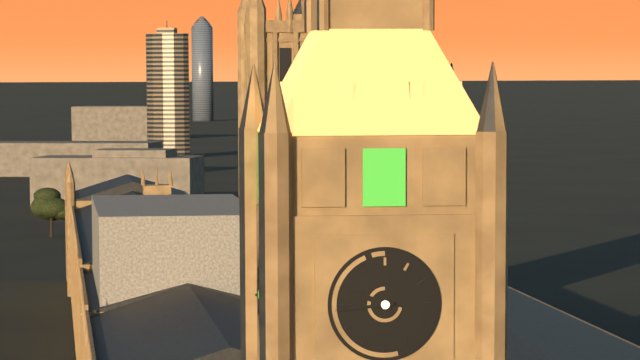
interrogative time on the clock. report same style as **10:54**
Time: **9:44**
